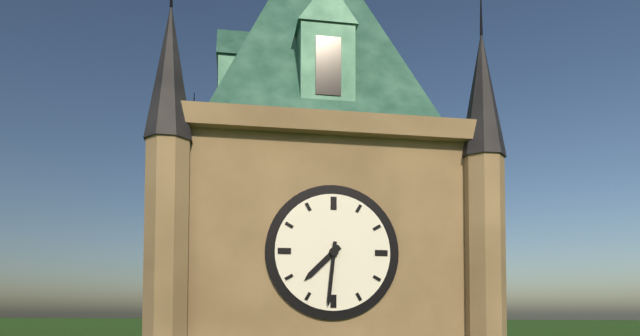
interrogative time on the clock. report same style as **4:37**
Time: **7:31**
